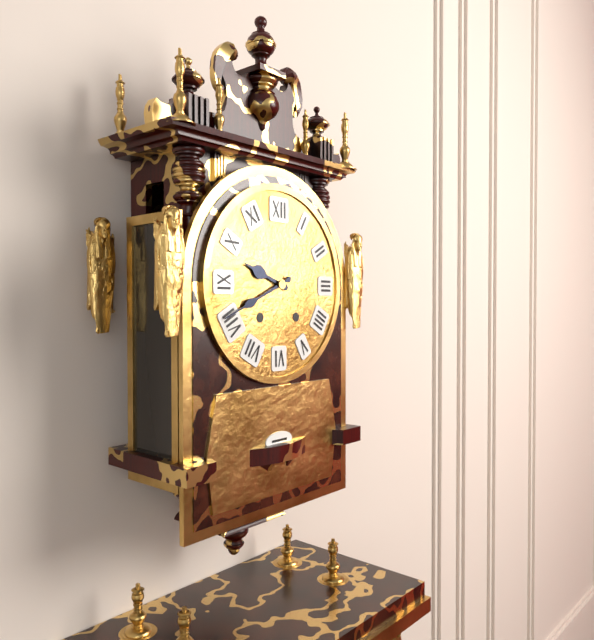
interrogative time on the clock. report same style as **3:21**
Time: **9:41**
